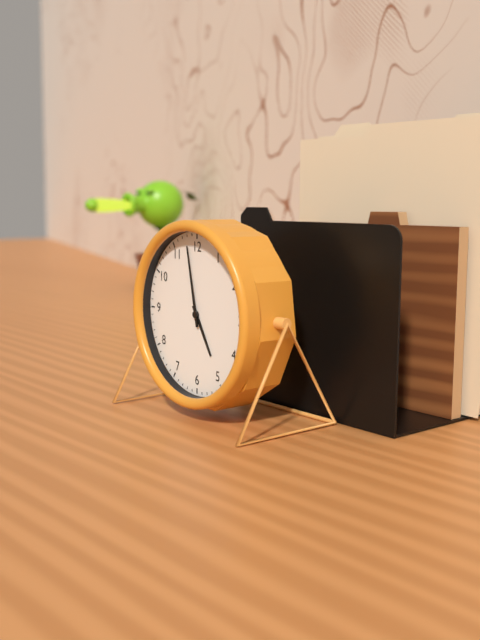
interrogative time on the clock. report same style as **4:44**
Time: **4:58**
